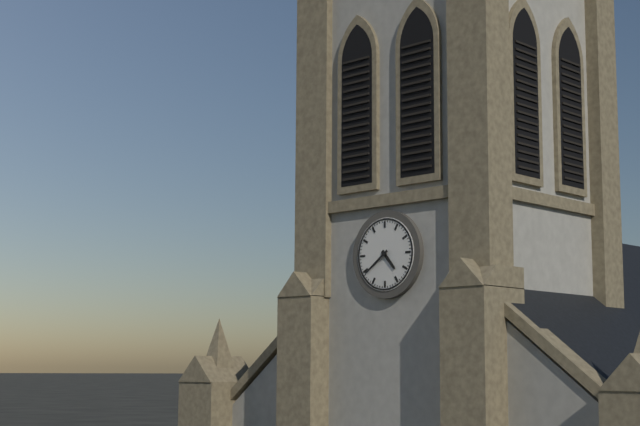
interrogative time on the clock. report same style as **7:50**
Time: **4:39**
